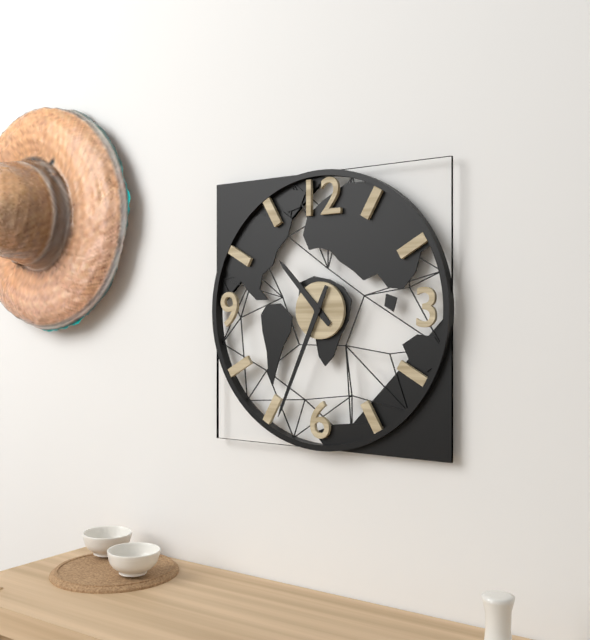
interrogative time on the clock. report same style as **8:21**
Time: **10:34**
